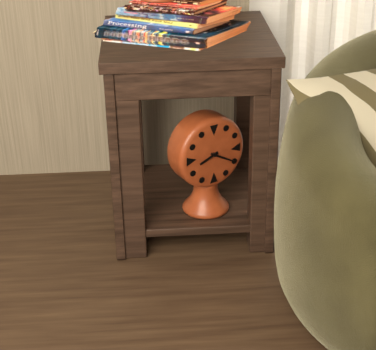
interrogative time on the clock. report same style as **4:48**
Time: **8:20**
